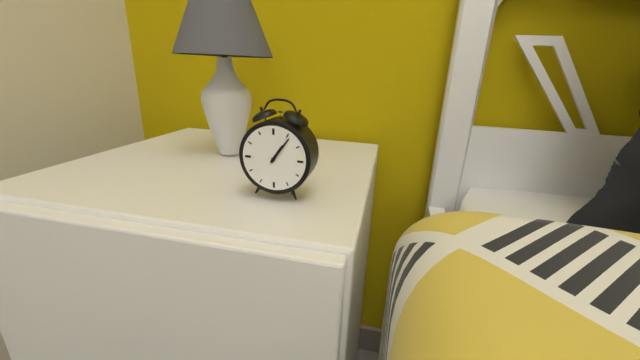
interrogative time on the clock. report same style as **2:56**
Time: **1:06**
